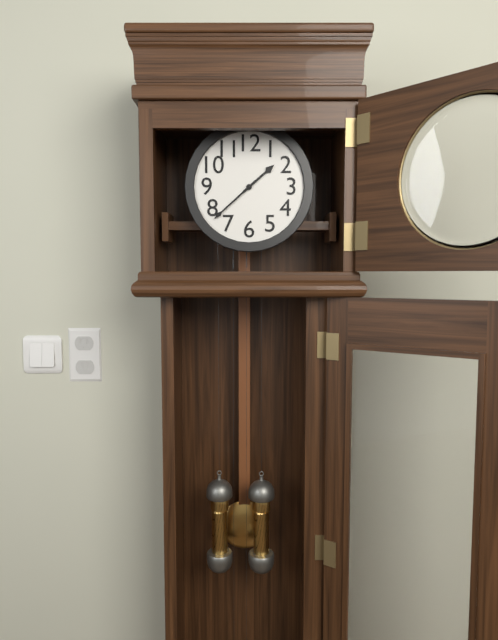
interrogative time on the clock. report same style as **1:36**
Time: **1:38**
